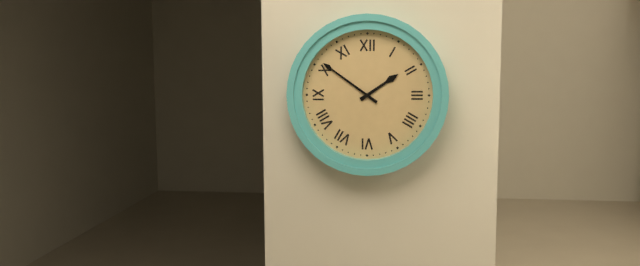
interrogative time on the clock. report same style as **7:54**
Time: **1:51**
